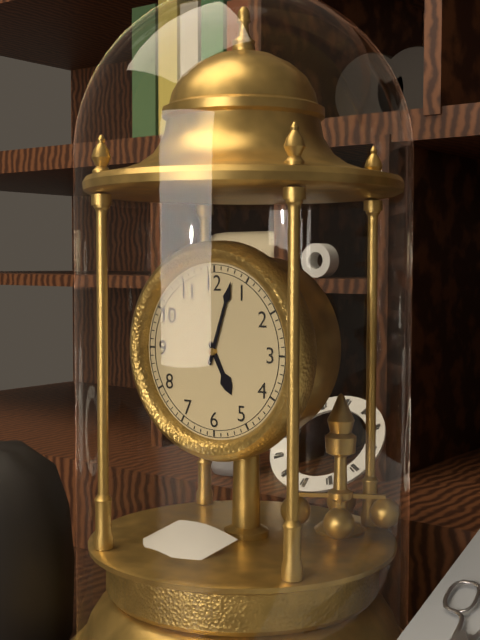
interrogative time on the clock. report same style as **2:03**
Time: **5:03**
